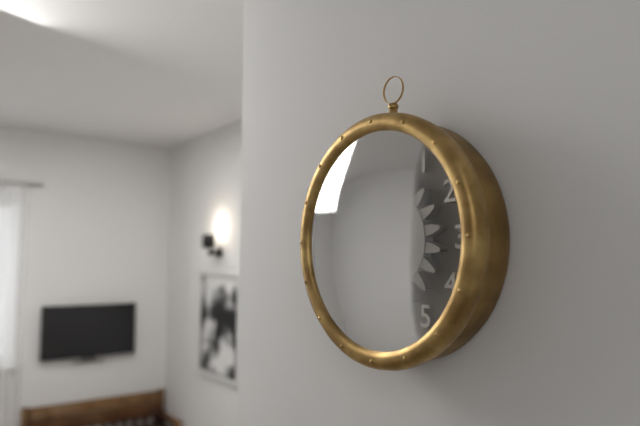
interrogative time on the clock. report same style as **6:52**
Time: **8:54**
